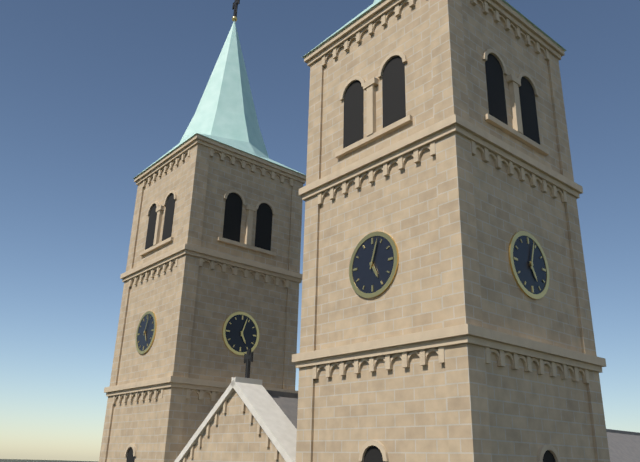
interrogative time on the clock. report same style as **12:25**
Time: **5:03**
